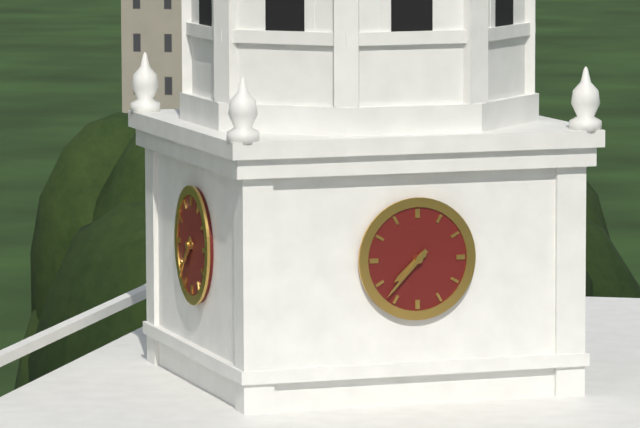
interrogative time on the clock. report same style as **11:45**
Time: **7:37**
